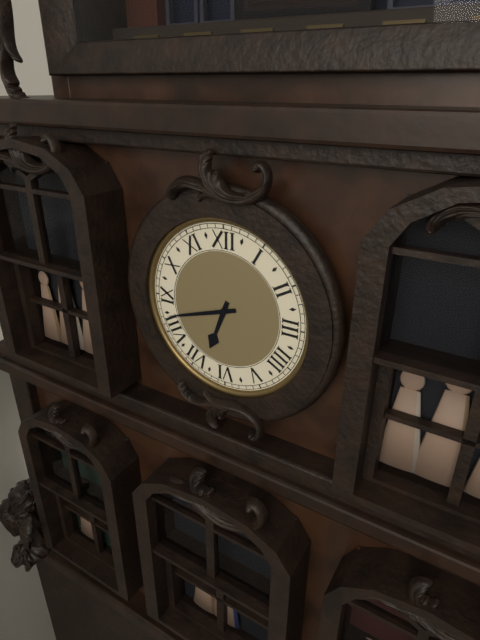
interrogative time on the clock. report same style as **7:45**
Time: **6:42**
